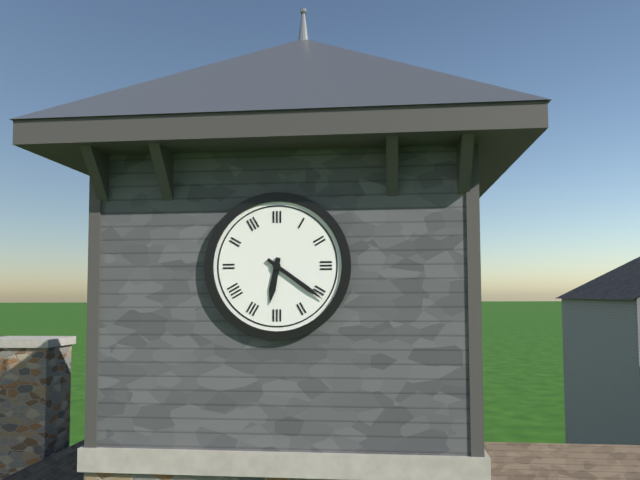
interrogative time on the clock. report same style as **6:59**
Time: **6:21**
